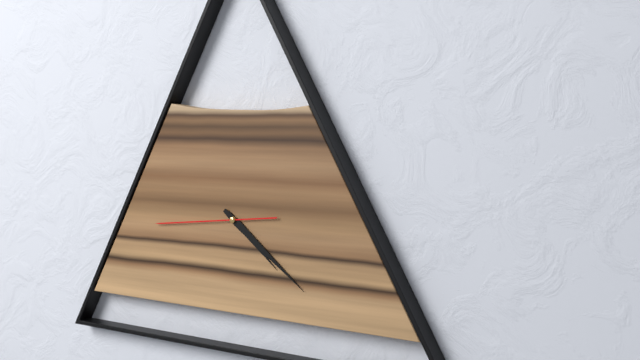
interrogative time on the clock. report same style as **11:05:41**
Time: **4:21:44**
